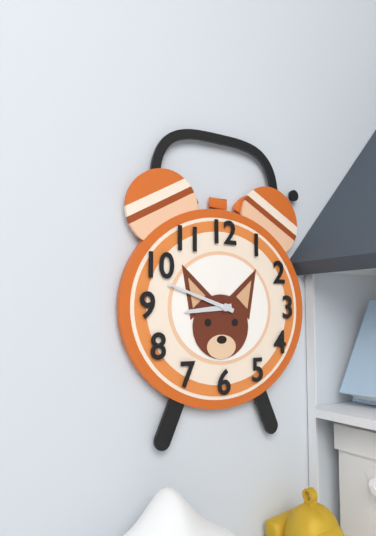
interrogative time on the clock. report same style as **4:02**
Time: **8:48**
